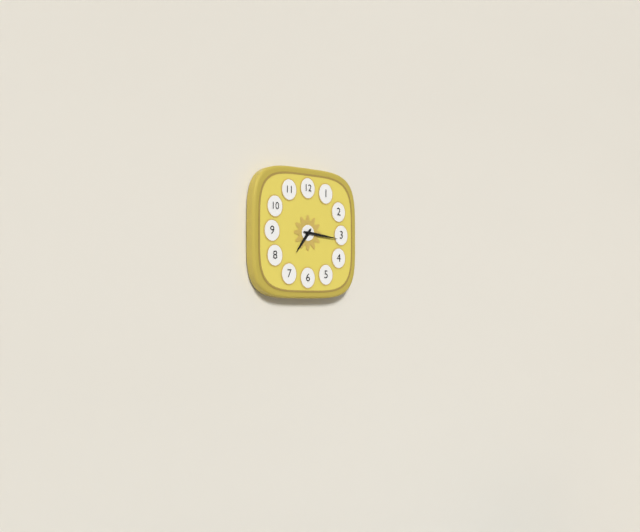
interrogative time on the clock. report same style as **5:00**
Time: **7:16**
